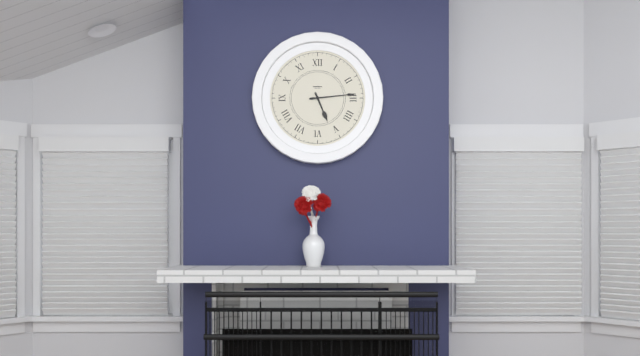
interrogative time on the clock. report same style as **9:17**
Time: **5:14**
